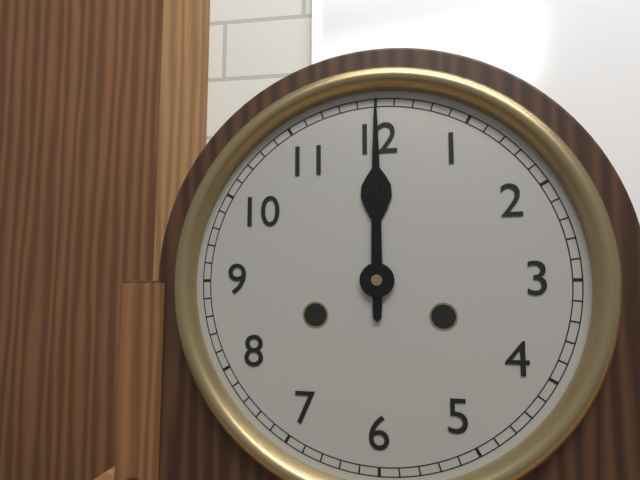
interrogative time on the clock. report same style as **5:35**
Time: **12:00**
